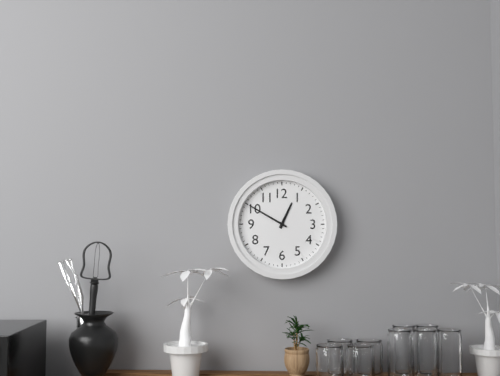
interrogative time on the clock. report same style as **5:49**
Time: **12:50**
